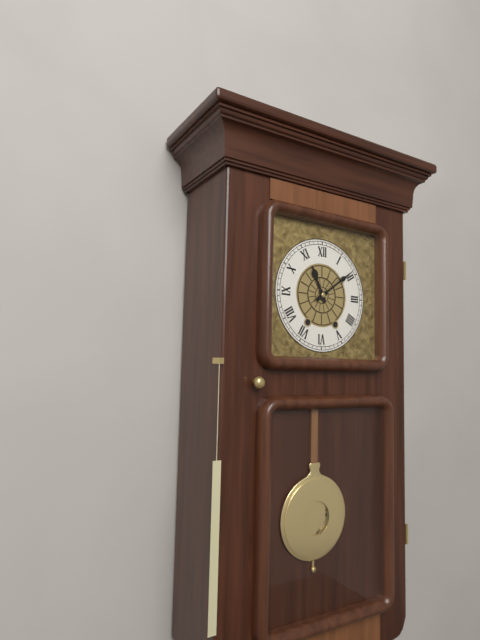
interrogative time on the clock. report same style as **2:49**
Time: **11:09**
